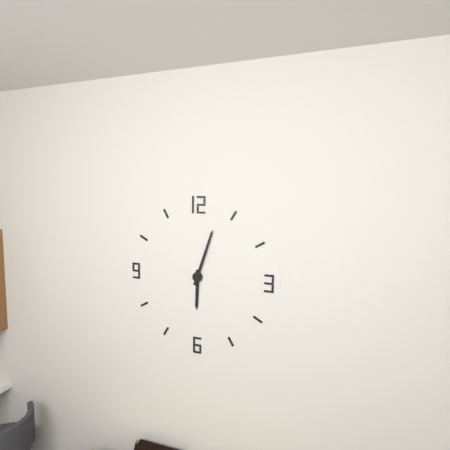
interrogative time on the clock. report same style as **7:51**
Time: **6:03**
